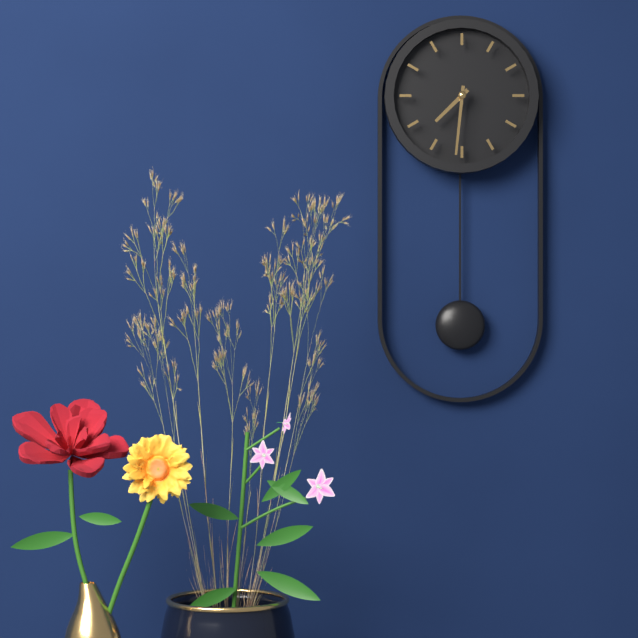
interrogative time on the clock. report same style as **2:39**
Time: **7:31**
